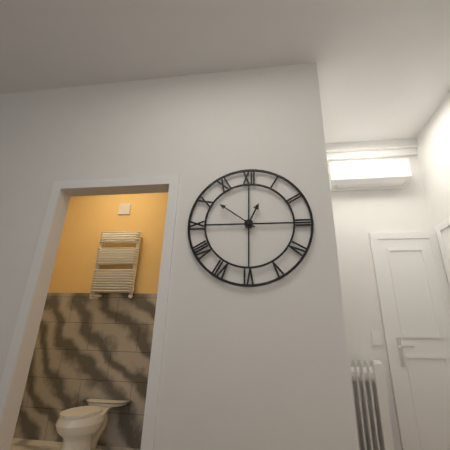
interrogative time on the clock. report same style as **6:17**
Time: **12:51**
